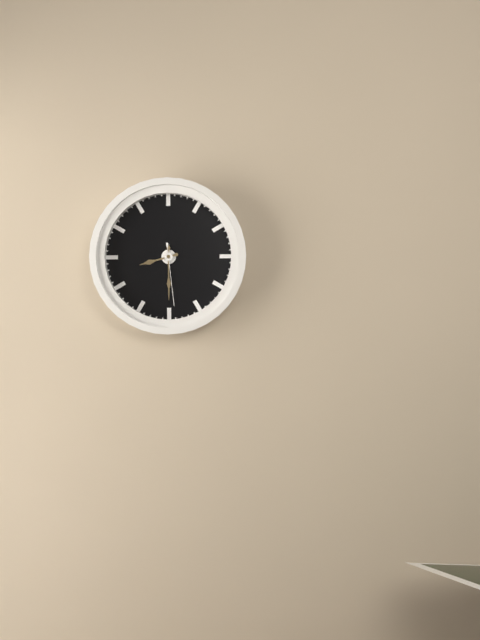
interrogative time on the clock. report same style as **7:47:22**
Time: **8:30:29**
